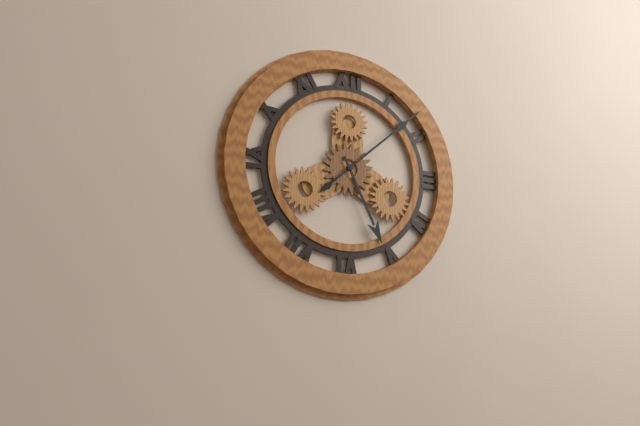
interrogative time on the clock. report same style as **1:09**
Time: **5:08**
